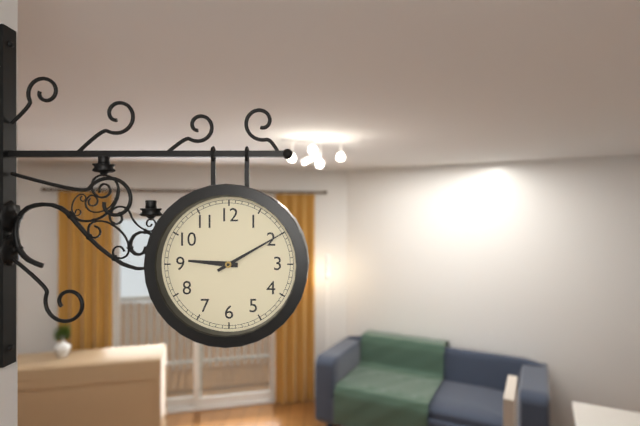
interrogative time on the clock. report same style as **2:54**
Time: **9:10**
